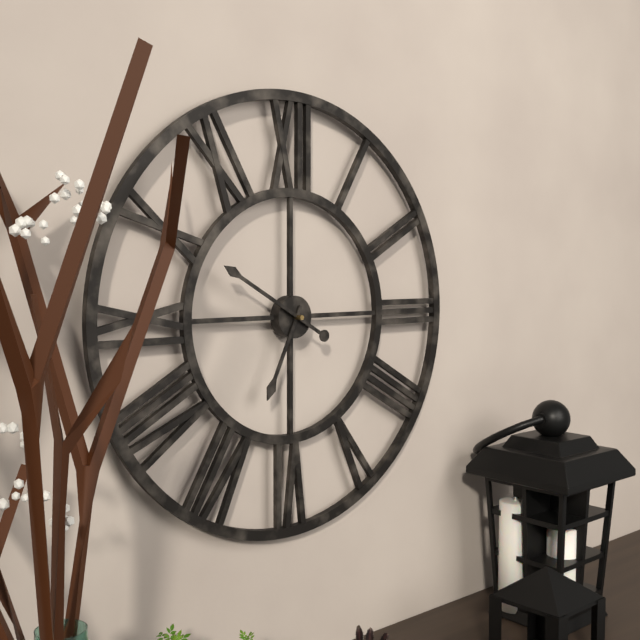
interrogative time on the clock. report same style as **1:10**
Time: **6:50**
